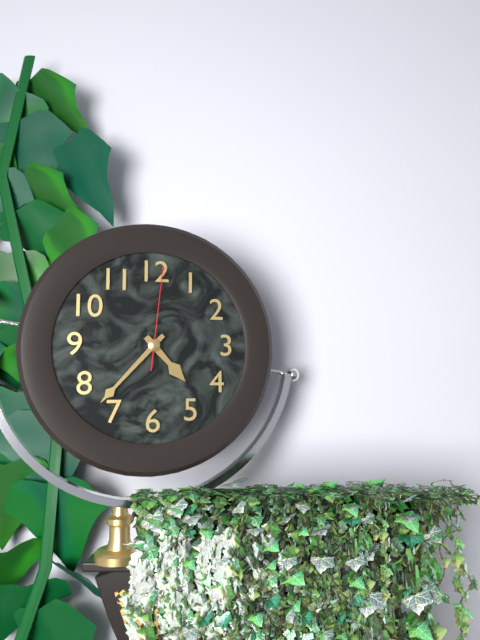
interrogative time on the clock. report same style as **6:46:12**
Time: **4:37:01**
